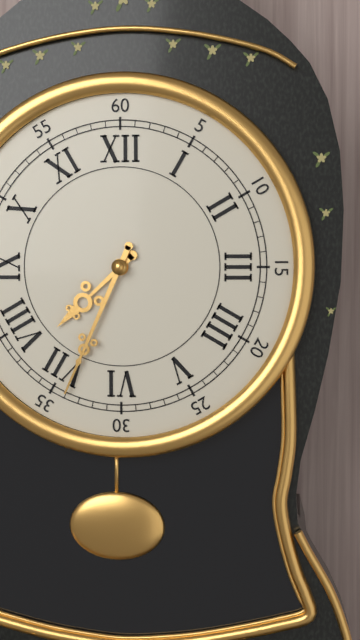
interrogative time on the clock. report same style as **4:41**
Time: **7:34**
